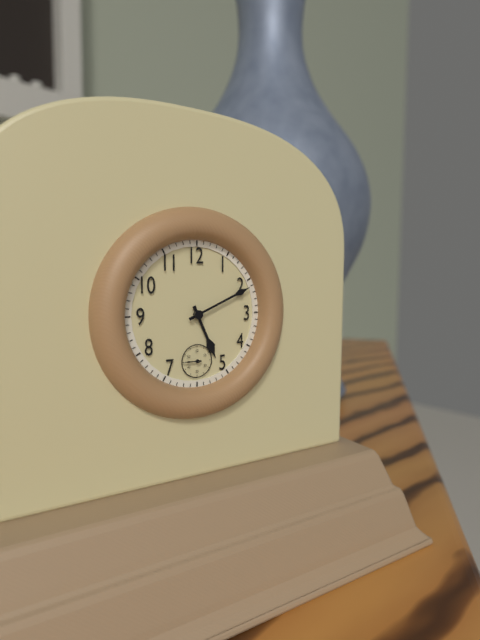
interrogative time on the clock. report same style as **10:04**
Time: **5:11**
